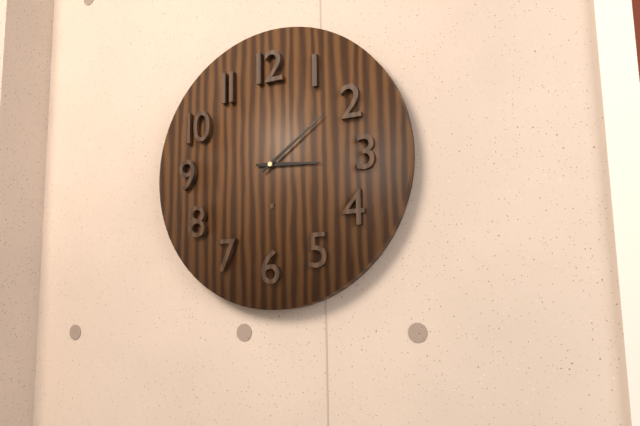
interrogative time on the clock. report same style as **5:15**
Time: **3:09**
